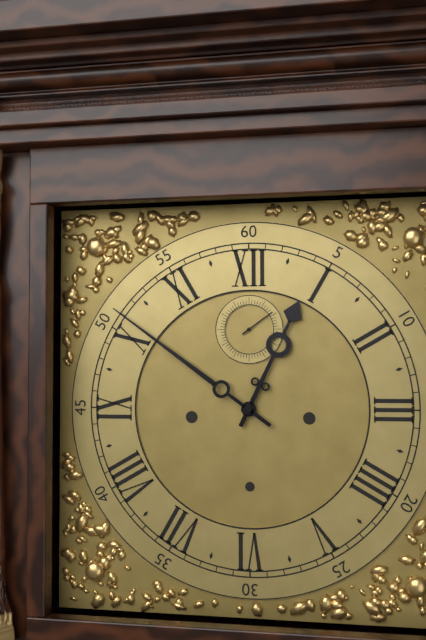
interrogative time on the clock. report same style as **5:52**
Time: **12:51**
